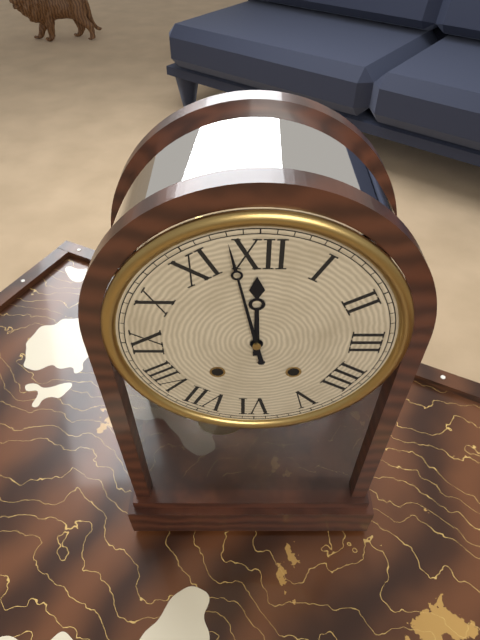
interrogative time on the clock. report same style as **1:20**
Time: **11:58**
